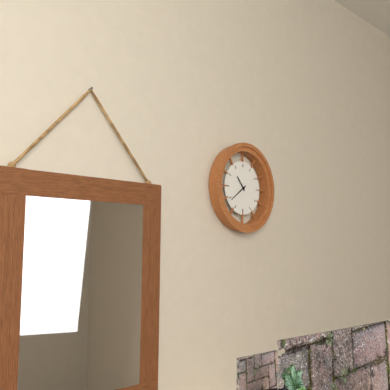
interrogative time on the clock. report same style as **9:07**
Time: **10:39**
